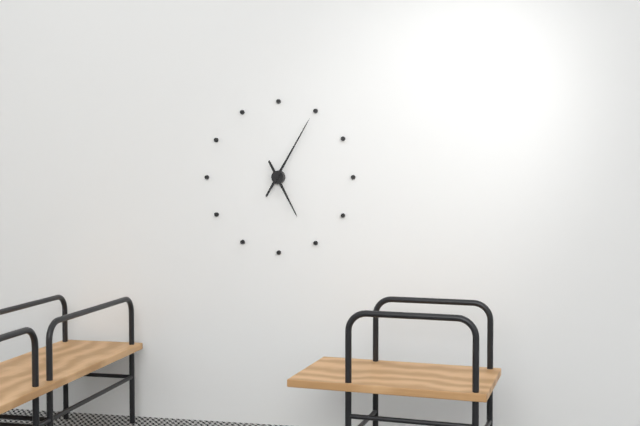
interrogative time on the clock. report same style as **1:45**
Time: **5:05**
